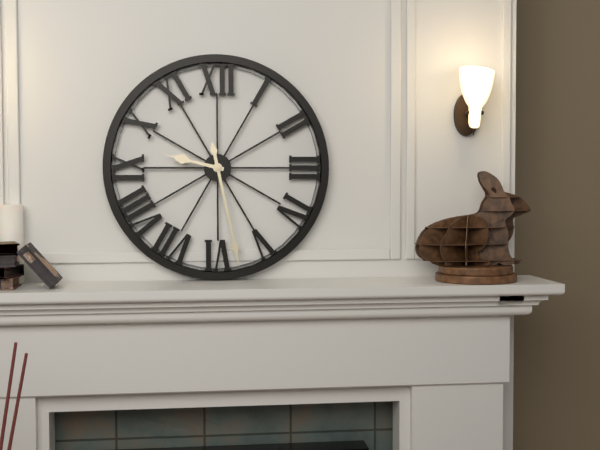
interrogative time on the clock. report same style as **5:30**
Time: **9:28**
